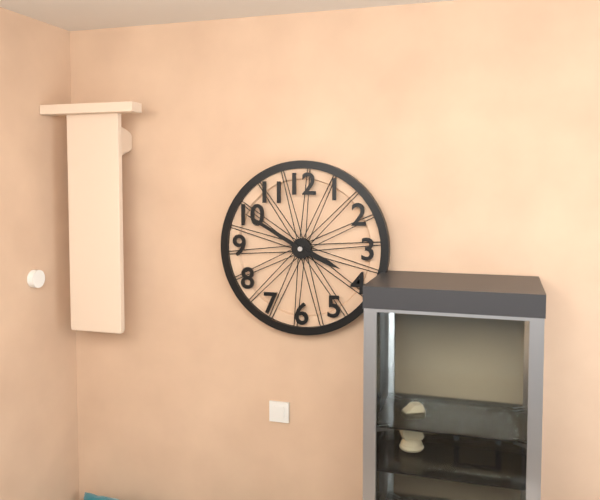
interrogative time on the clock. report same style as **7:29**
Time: **3:50**
